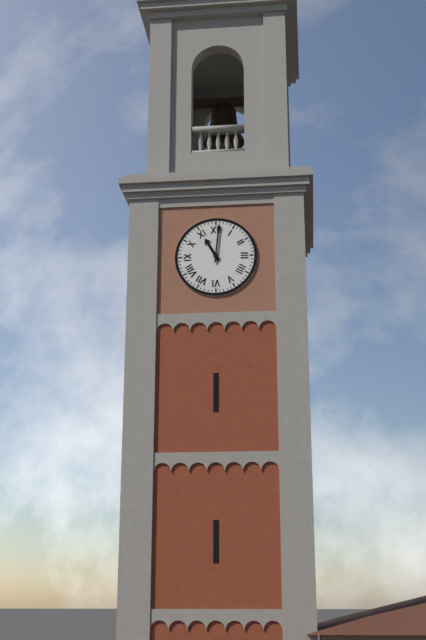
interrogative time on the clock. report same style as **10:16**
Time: **11:01**
